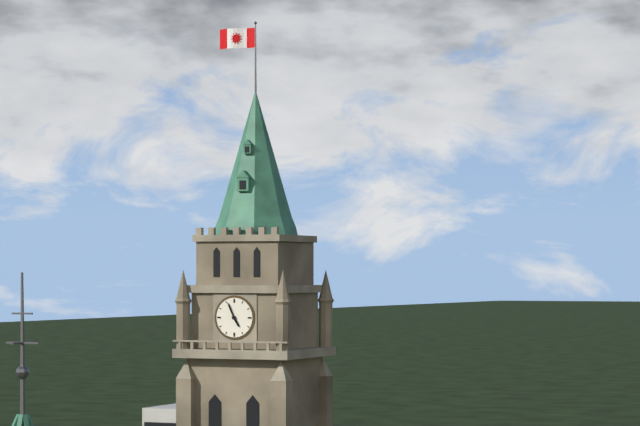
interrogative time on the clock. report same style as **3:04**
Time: **4:56**
